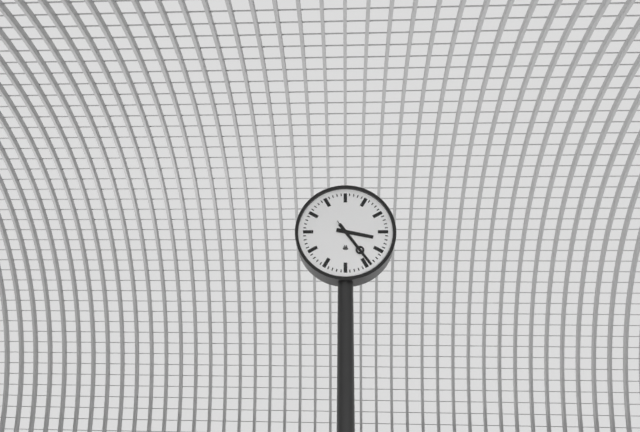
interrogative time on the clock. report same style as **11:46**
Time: **3:24**
